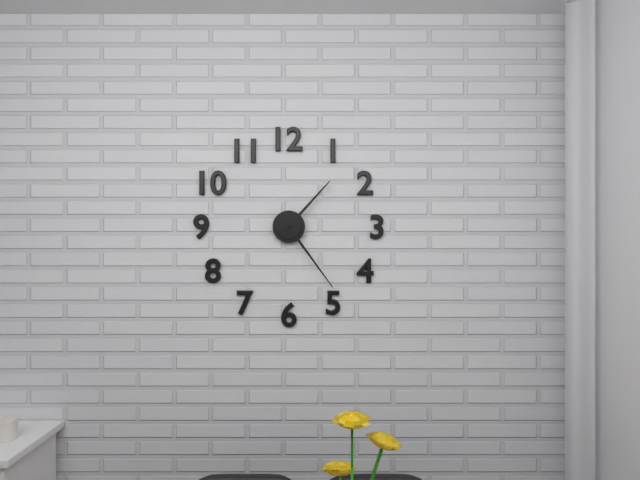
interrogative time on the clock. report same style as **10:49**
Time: **1:24**
